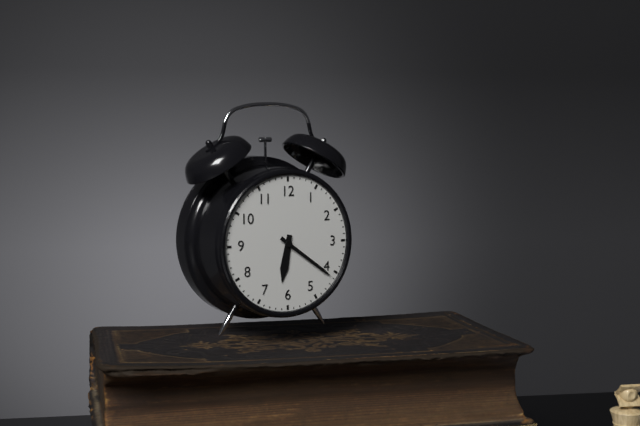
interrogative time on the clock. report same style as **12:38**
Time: **6:21**
